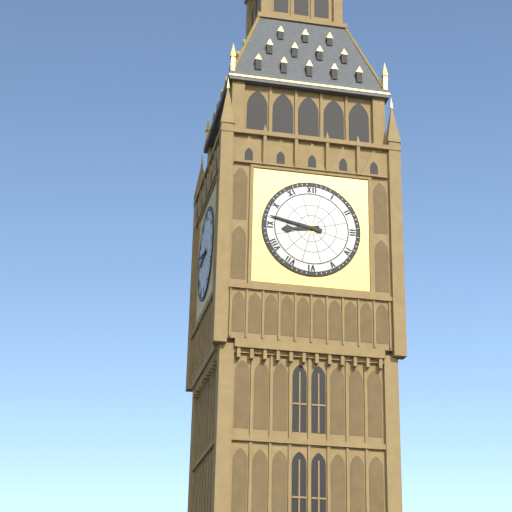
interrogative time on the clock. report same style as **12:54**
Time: **8:47**
